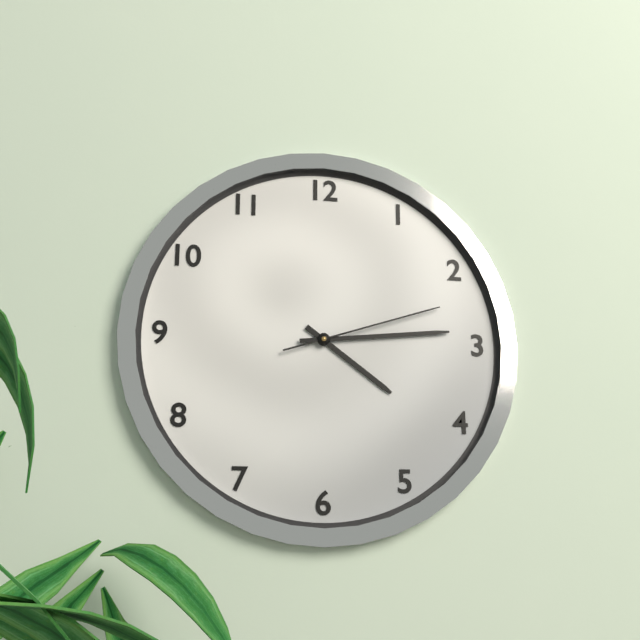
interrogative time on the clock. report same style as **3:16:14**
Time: **4:14:12**
